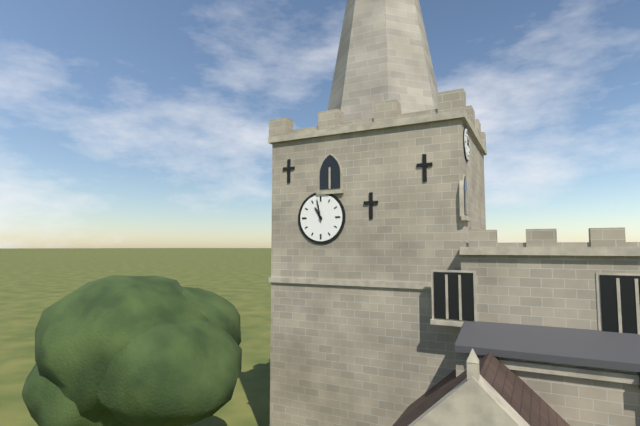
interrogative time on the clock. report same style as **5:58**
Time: **10:58**
